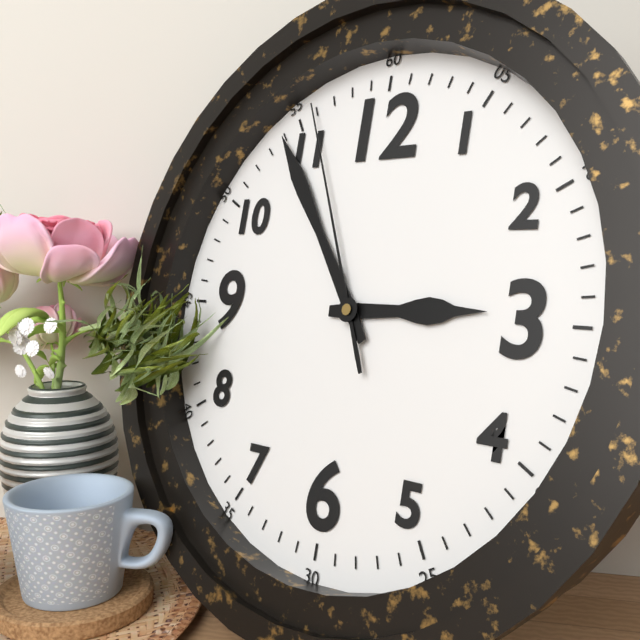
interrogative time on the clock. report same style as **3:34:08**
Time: **2:54:56**
